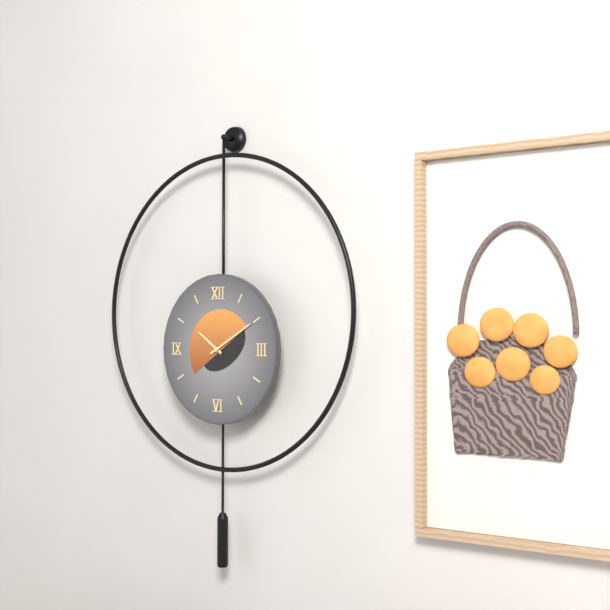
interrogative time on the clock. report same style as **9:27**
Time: **10:10**
